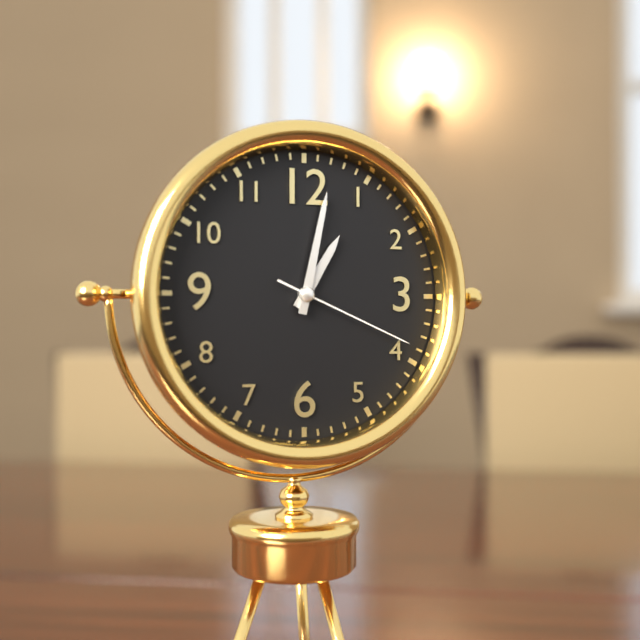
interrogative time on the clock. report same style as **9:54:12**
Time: **1:02:19**
